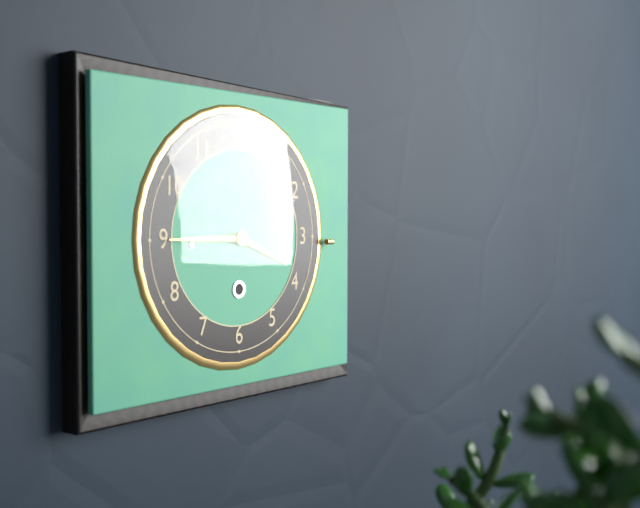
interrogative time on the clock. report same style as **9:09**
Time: **3:45**
